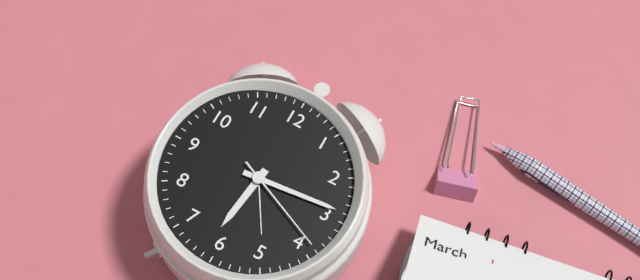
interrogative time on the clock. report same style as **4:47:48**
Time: **6:14:19**
